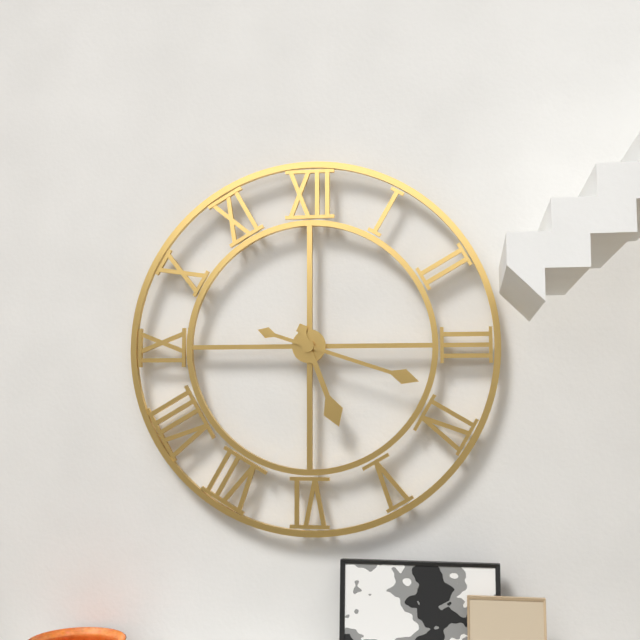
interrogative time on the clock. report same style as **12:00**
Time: **5:18**
